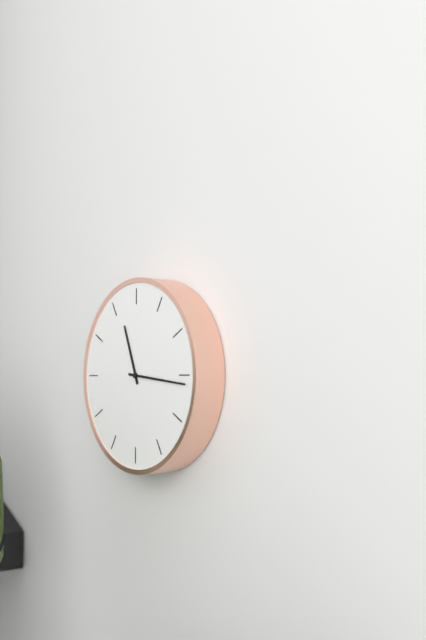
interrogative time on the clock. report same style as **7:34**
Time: **11:16**
